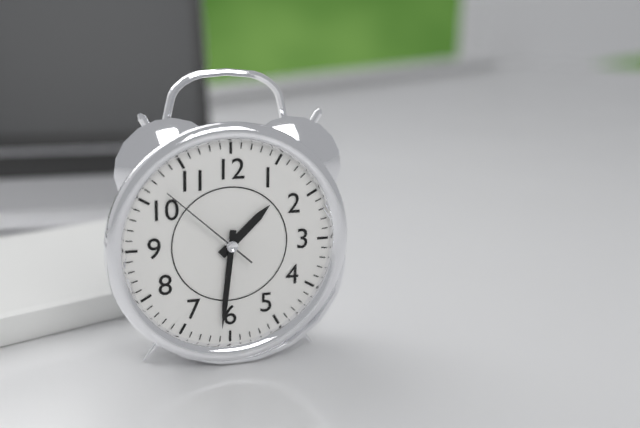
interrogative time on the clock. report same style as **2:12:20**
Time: **1:31:52**
